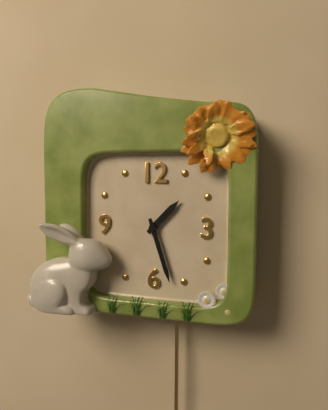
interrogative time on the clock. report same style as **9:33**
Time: **1:27**
